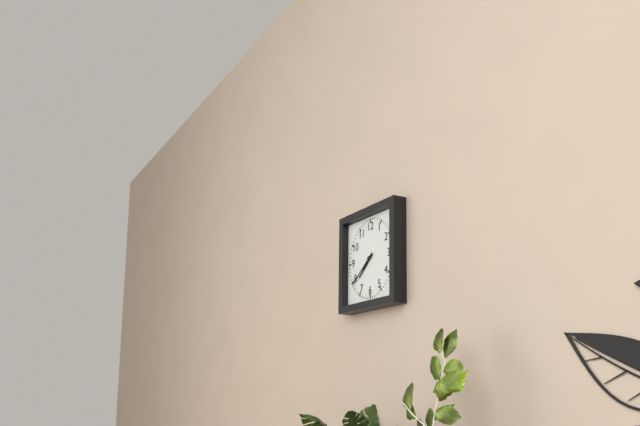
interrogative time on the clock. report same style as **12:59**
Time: **7:39**
